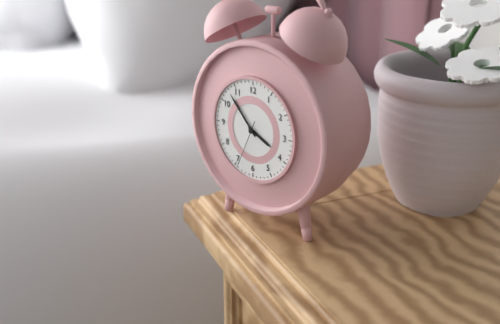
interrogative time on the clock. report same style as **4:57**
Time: **3:53**
